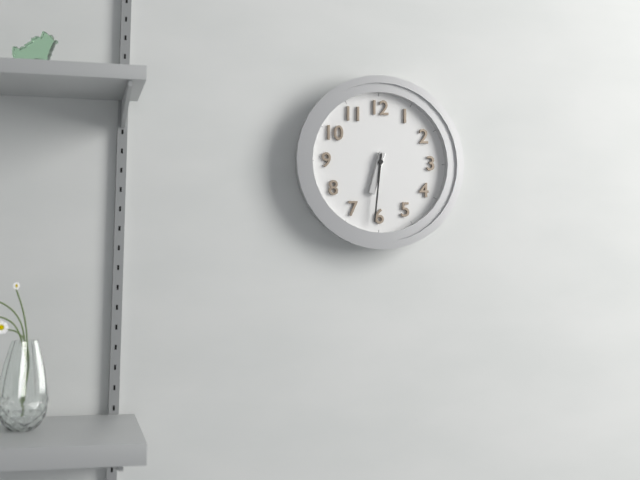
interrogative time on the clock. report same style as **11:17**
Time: **6:31**
